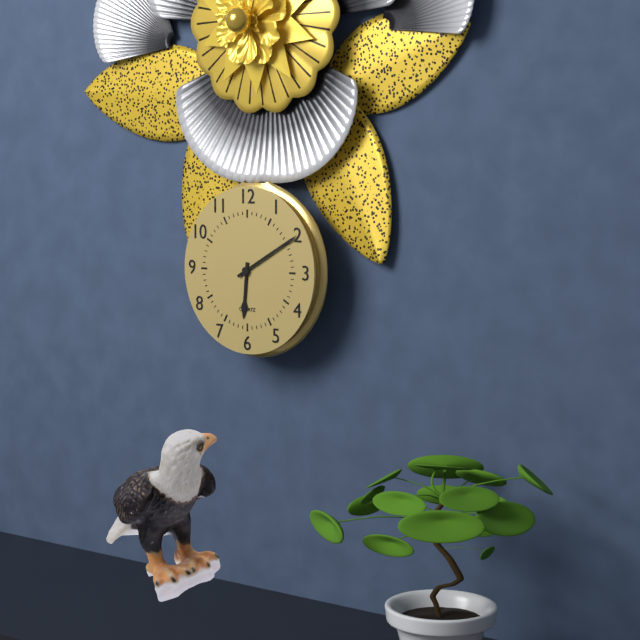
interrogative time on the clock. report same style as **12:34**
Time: **6:10**
